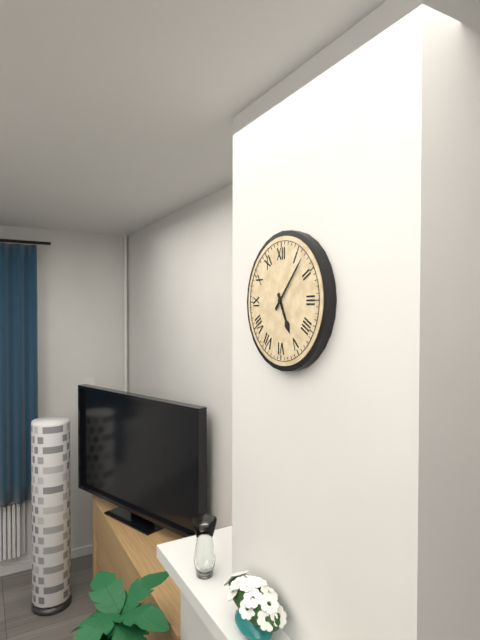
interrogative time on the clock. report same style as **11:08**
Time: **5:07**
